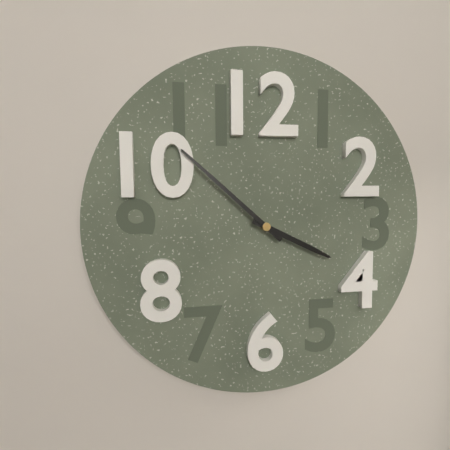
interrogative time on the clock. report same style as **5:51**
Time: **3:52**
